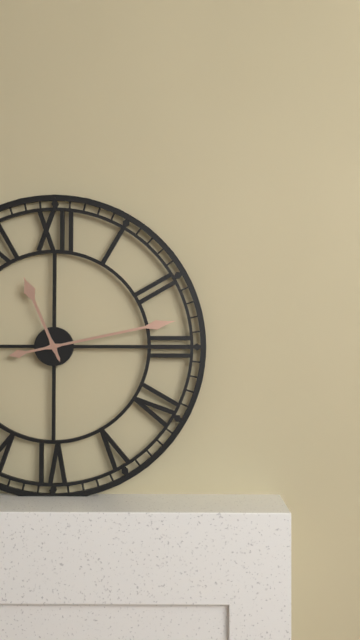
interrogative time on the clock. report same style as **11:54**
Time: **11:13**
